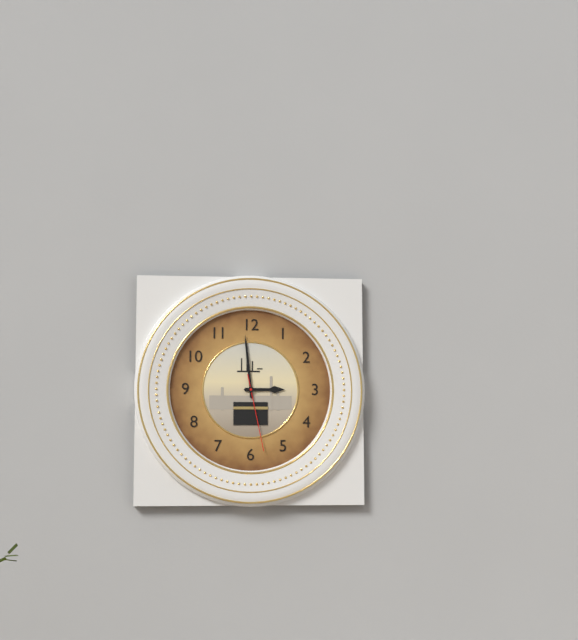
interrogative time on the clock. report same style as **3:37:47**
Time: **2:59:28**
